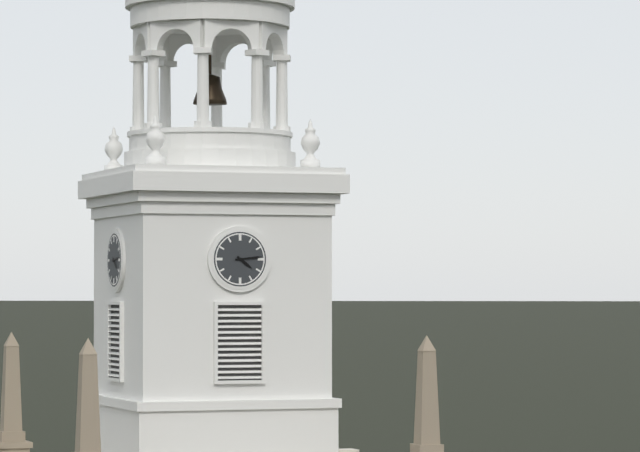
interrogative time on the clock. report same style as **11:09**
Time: **4:14**
